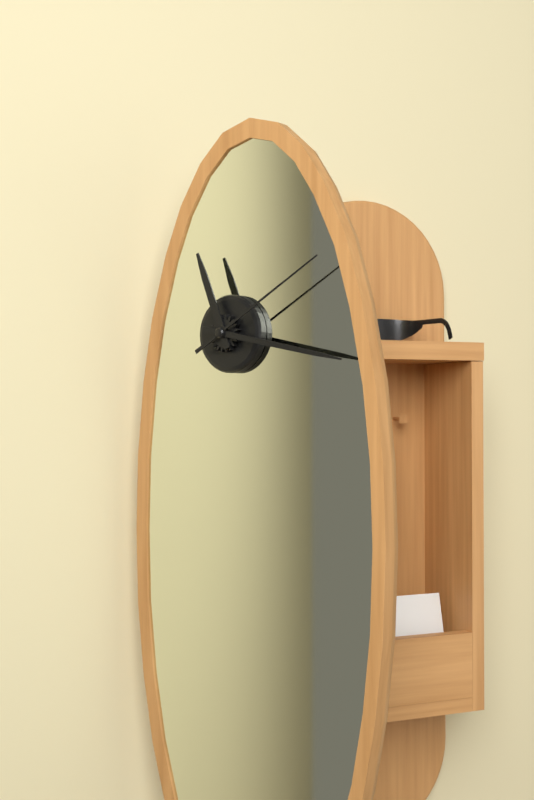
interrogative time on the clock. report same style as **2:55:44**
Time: **11:17:10**
